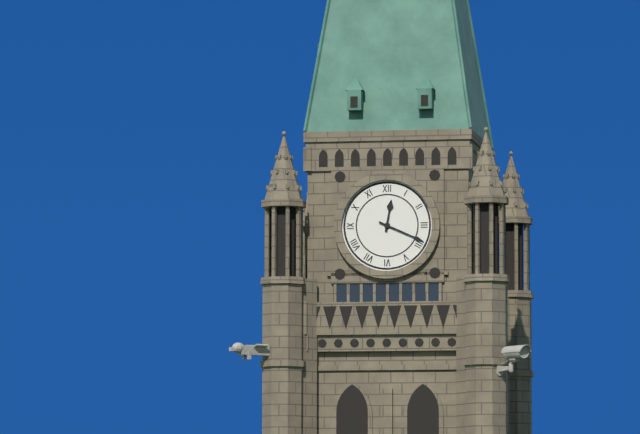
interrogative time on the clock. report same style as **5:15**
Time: **12:19**
